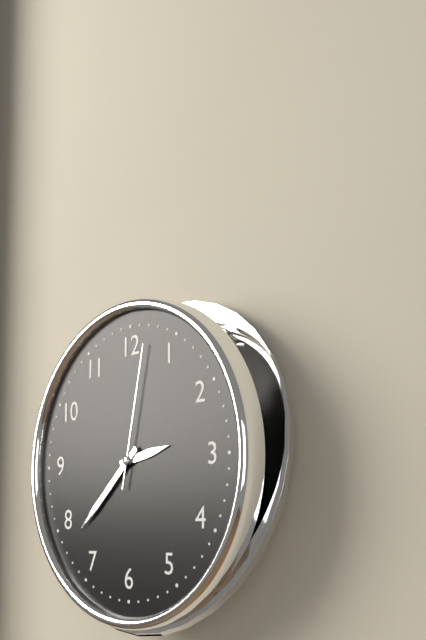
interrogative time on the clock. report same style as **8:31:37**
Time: **2:38:02**
